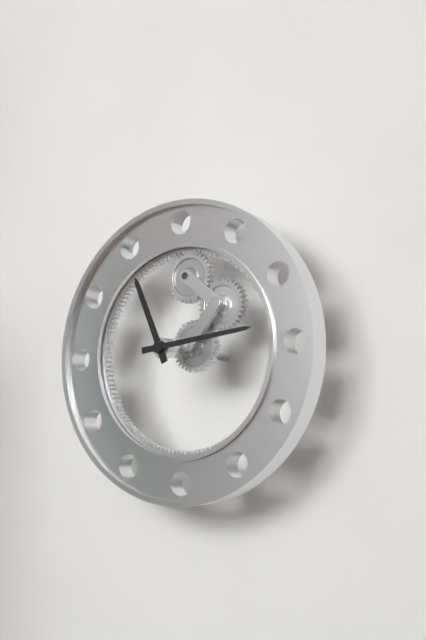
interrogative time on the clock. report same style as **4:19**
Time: **11:14**
